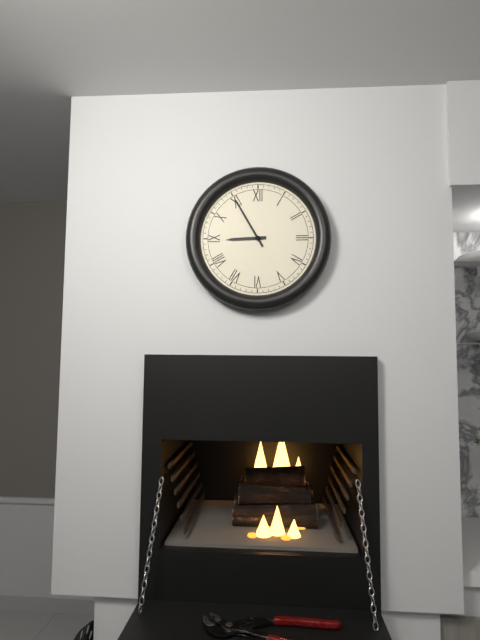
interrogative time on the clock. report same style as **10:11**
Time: **8:55**
